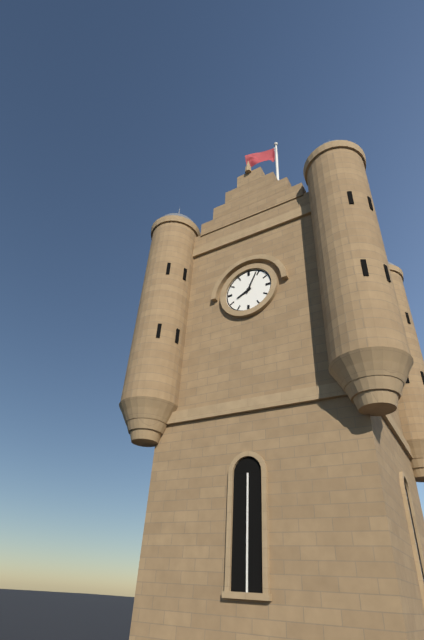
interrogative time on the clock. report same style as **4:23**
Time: **8:04**
